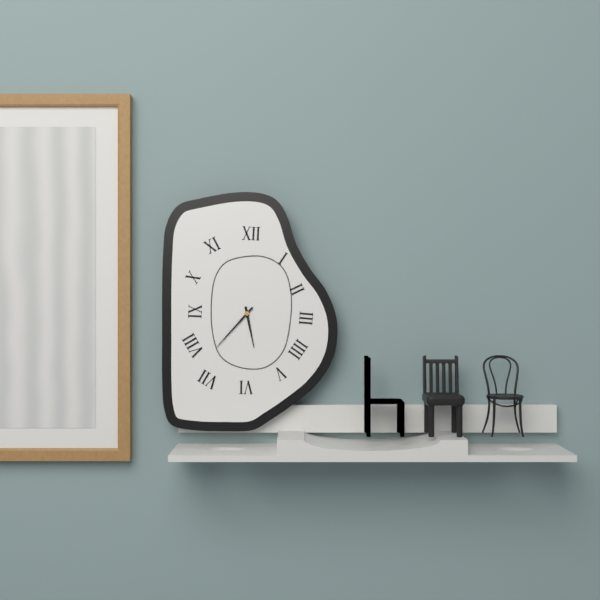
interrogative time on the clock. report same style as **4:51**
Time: **5:37**
